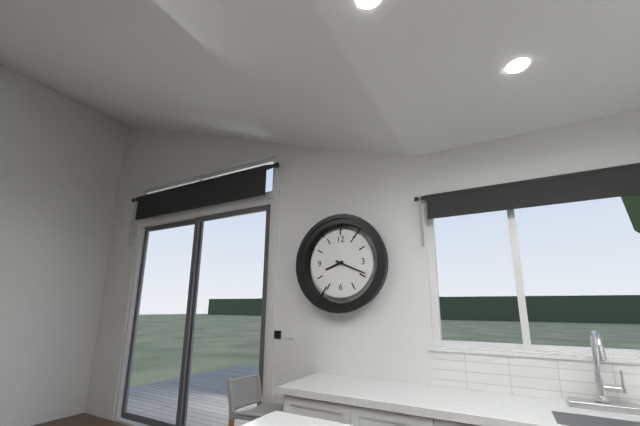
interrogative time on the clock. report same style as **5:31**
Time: **8:19**
